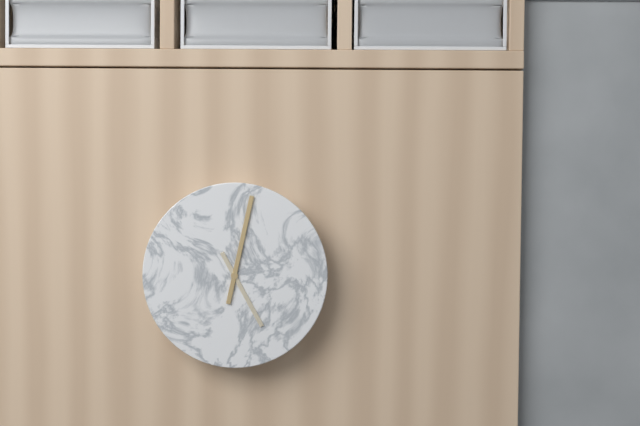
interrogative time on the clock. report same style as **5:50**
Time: **5:02**
